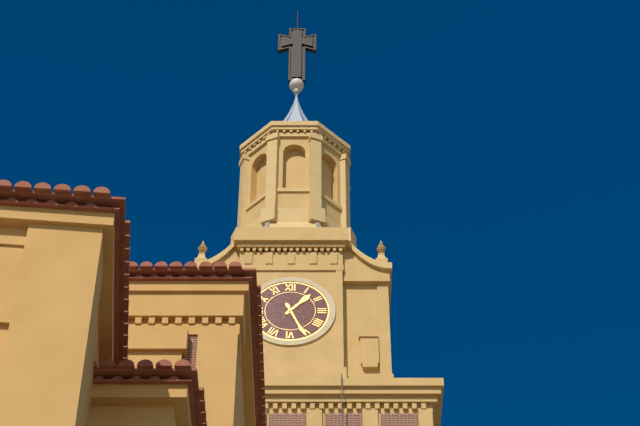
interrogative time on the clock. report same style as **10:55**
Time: **1:26**
